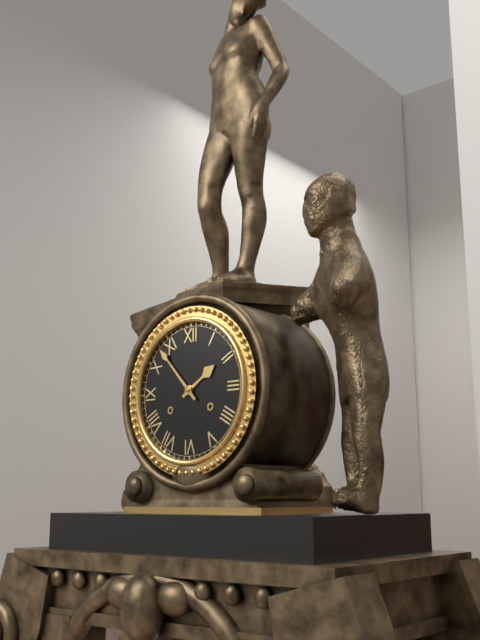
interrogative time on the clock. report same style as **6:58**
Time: **1:53**
